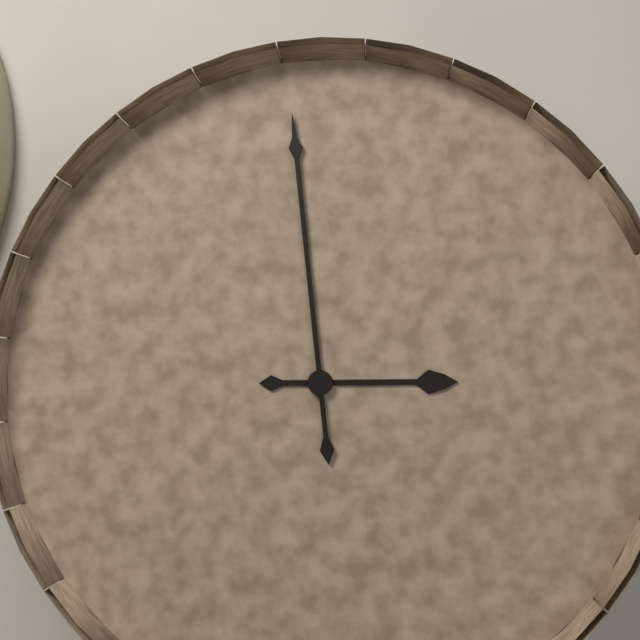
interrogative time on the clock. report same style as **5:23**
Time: **2:59**
